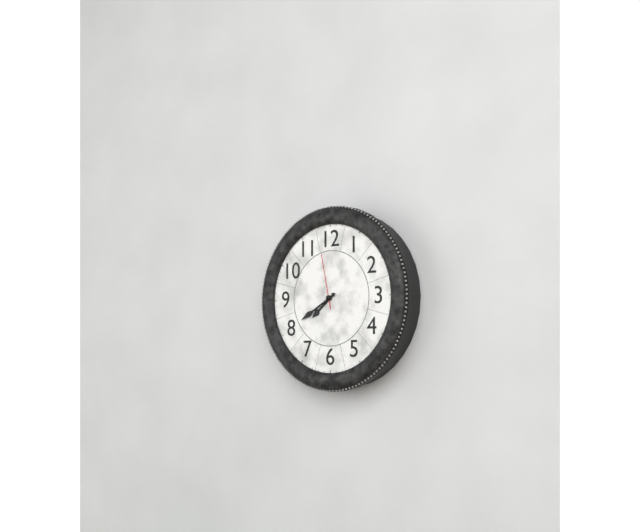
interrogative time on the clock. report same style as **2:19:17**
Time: **7:40:58**
